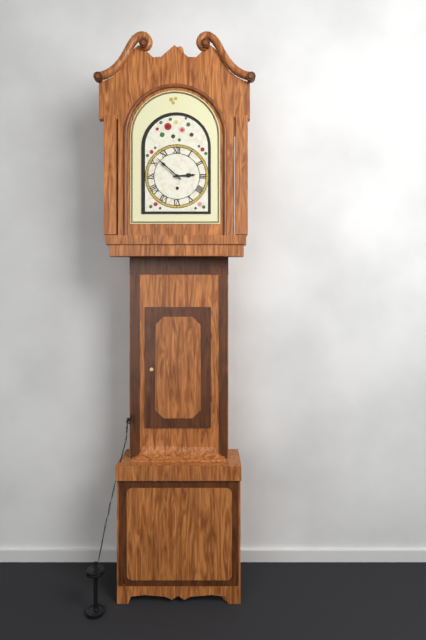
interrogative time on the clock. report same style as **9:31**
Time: **2:52**
